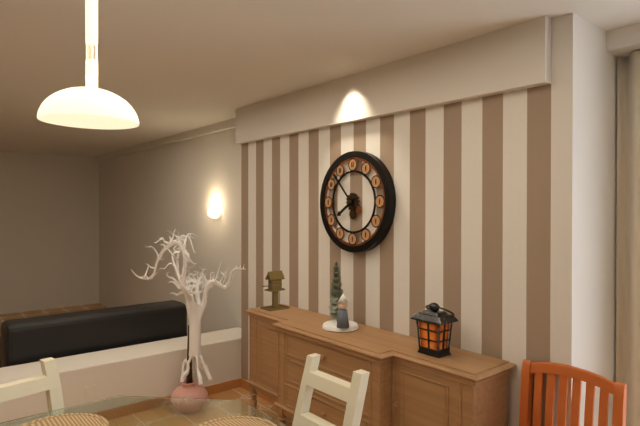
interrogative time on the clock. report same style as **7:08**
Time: **7:53**
